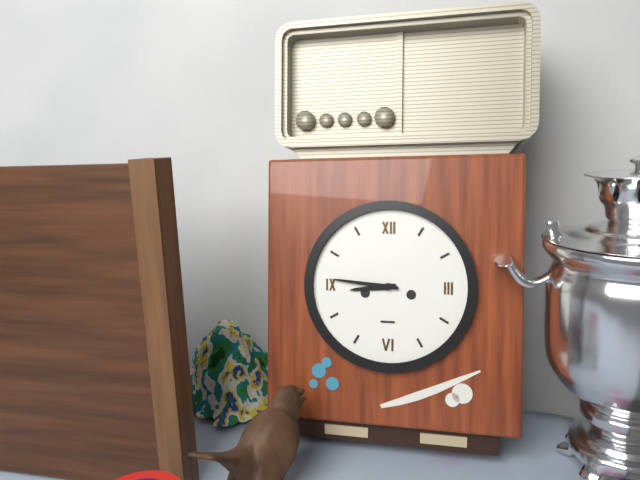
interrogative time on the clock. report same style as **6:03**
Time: **8:46**
